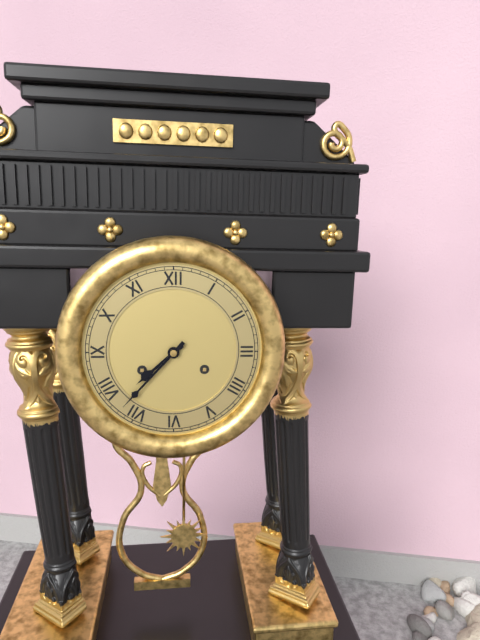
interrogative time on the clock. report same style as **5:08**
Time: **7:37**
